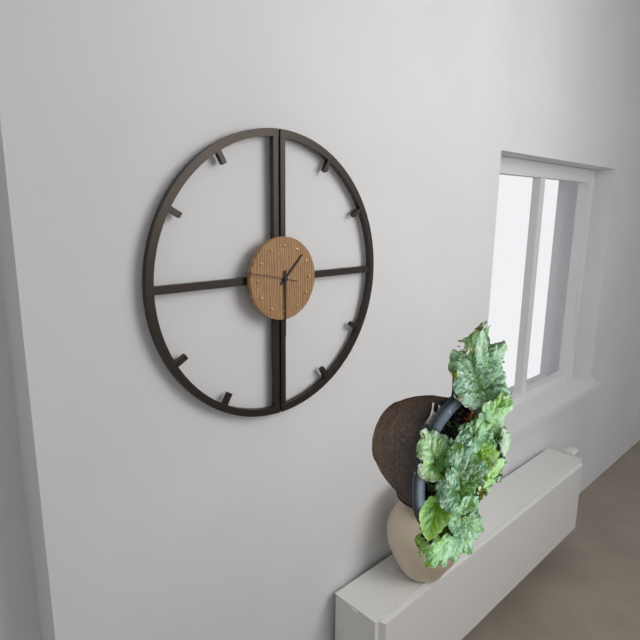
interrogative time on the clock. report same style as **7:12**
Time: **1:30**
